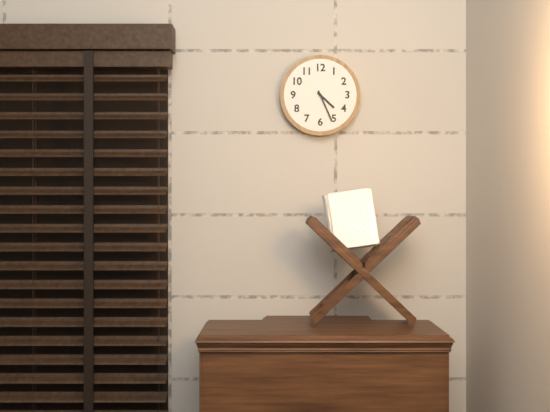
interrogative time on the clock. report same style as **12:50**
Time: **4:26**
